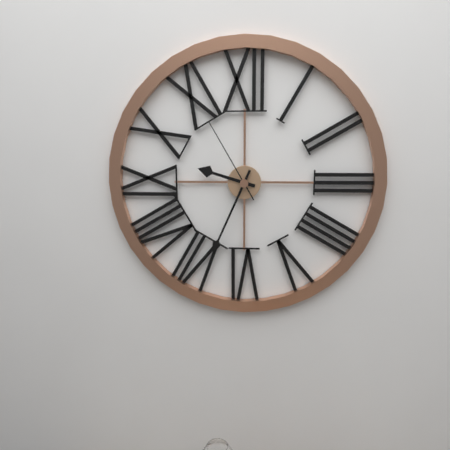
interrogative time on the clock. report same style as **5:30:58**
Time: **9:34:55**
